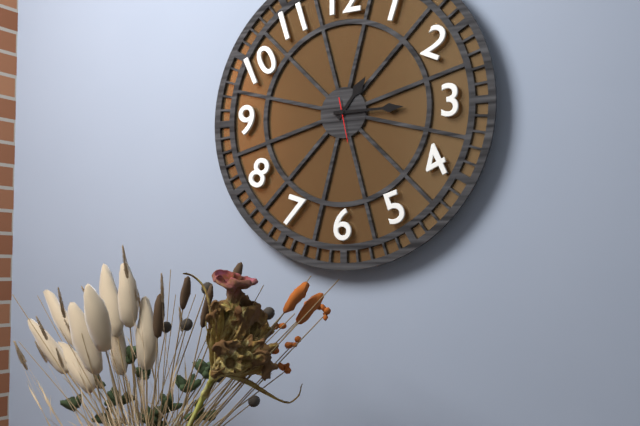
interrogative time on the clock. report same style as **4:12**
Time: **1:15**
